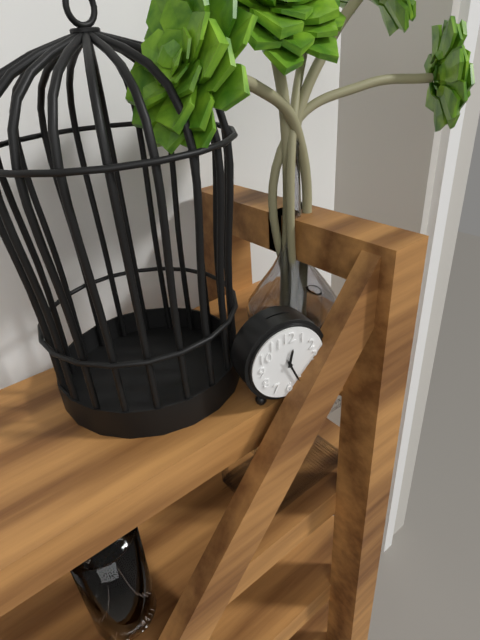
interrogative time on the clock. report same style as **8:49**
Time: **12:26**
